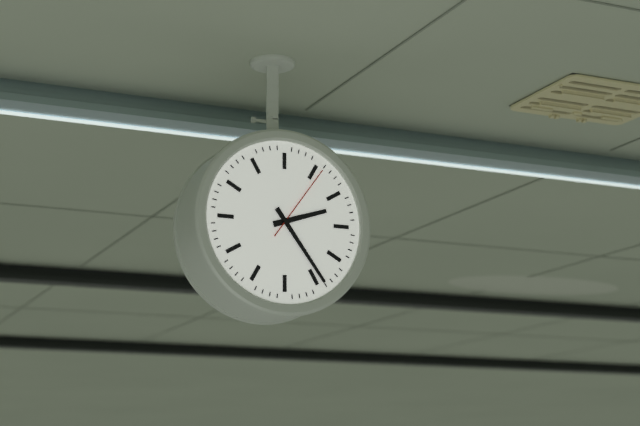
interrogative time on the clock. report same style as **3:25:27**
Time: **2:24:06**
